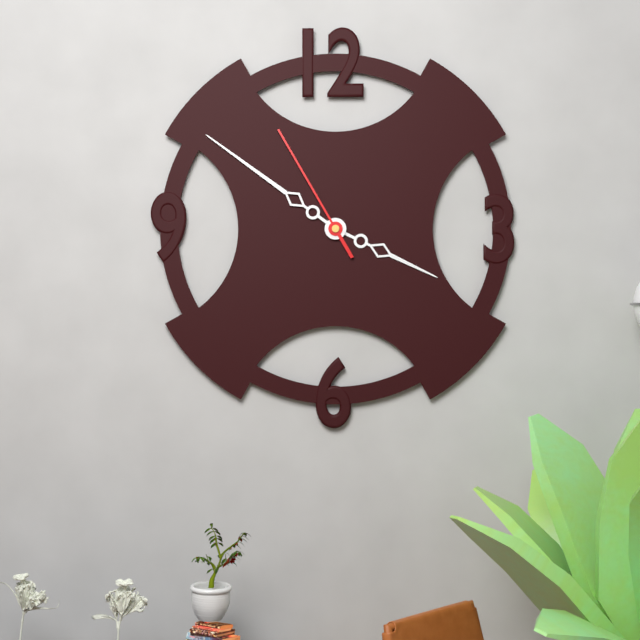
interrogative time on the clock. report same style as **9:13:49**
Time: **3:51:55**
